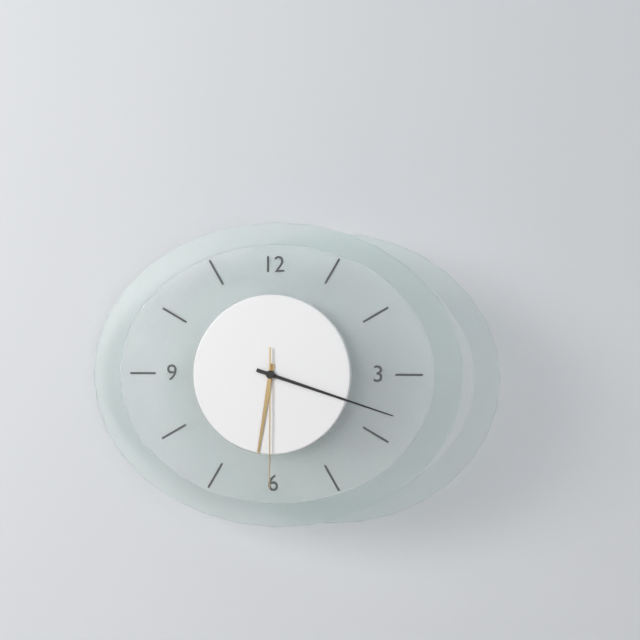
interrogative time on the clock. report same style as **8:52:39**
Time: **6:18:30**
